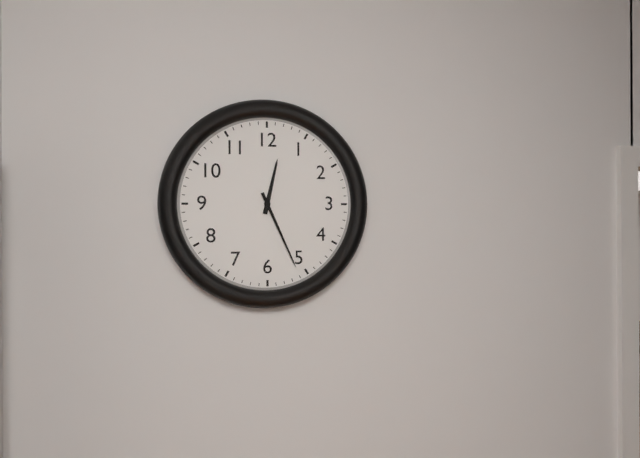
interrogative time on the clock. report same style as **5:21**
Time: **12:26**
